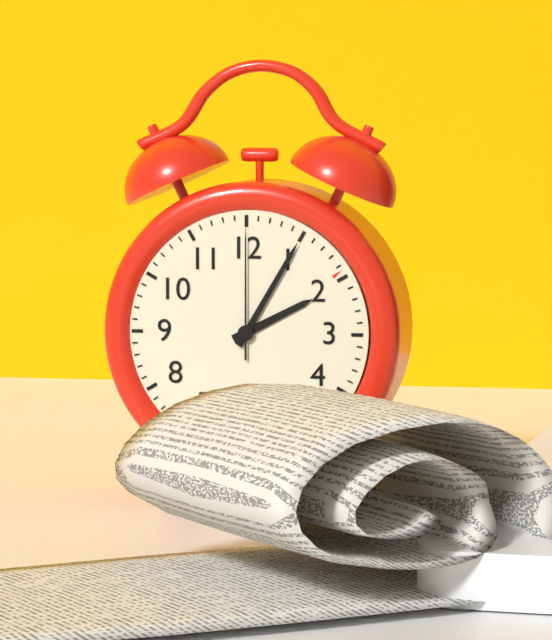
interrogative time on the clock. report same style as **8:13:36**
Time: **2:05:00**
